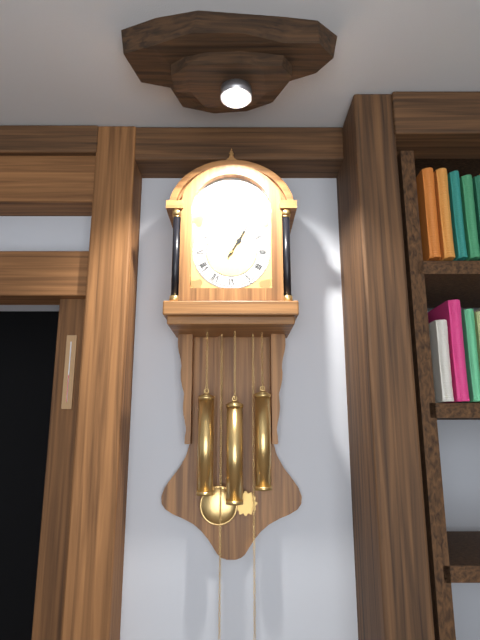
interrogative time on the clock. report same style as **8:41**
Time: **1:05**
